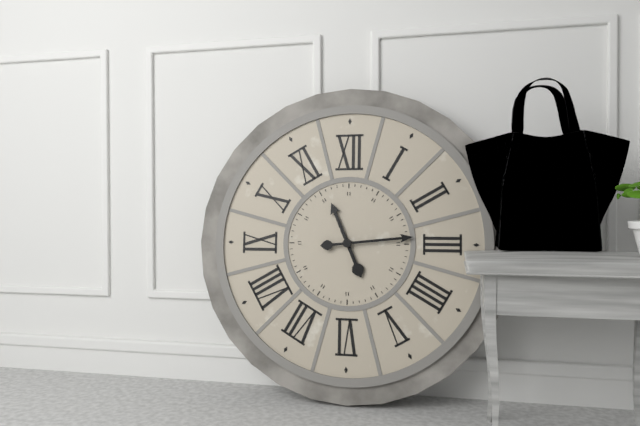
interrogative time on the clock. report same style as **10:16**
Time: **11:14**
